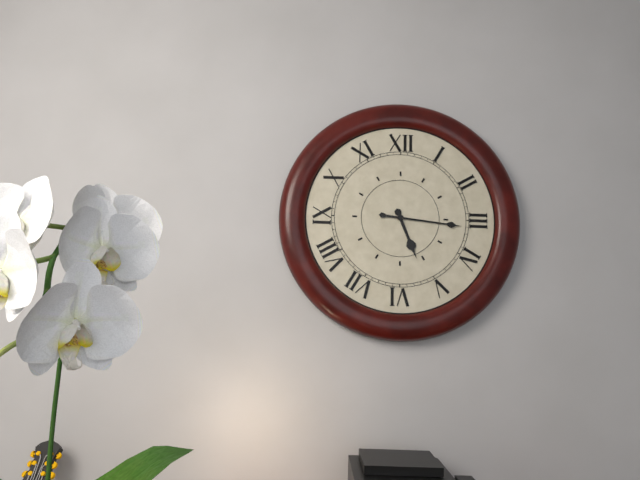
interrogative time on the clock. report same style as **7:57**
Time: **5:16**
